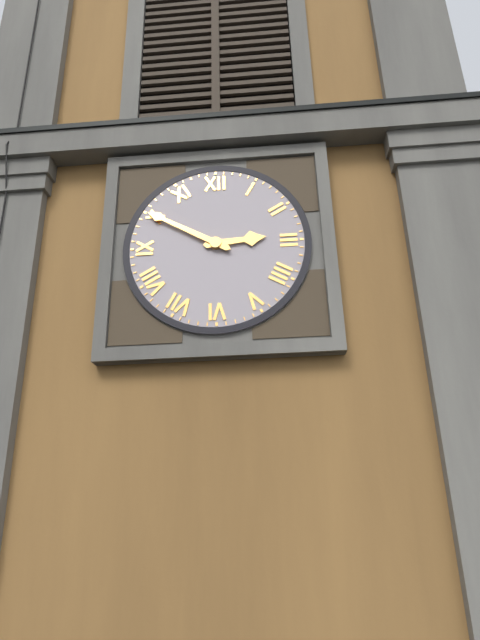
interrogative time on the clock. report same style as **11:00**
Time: **2:50**
